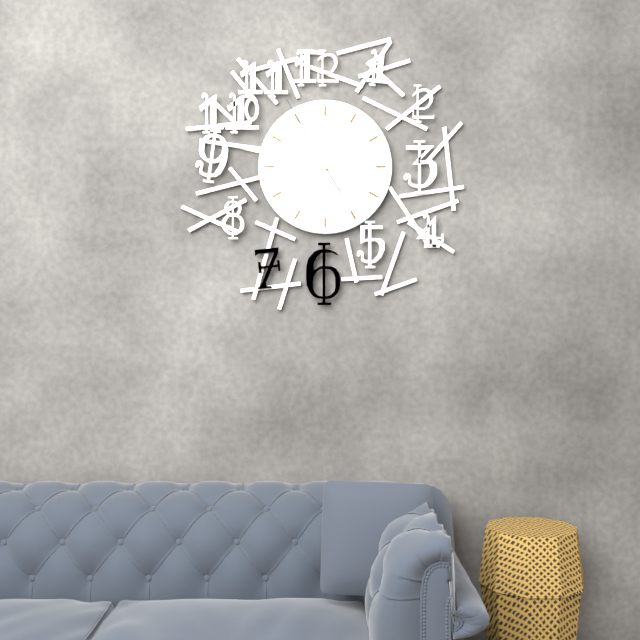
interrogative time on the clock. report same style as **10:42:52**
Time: **6:47:55**
